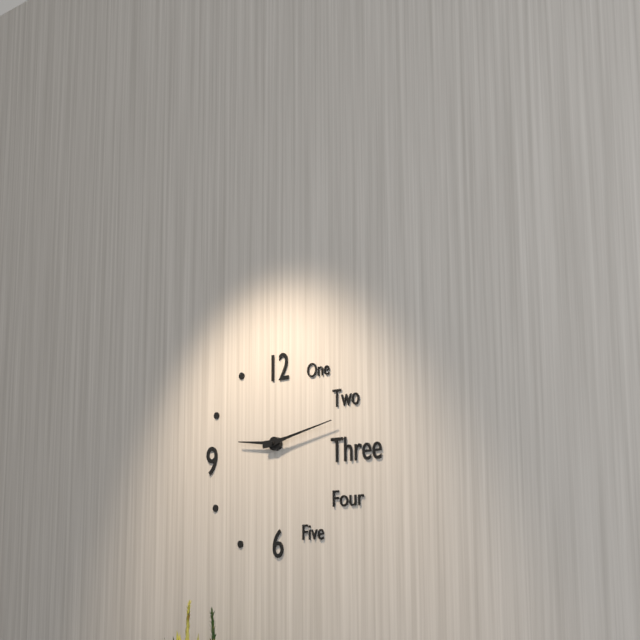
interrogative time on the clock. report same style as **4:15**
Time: **9:13**
